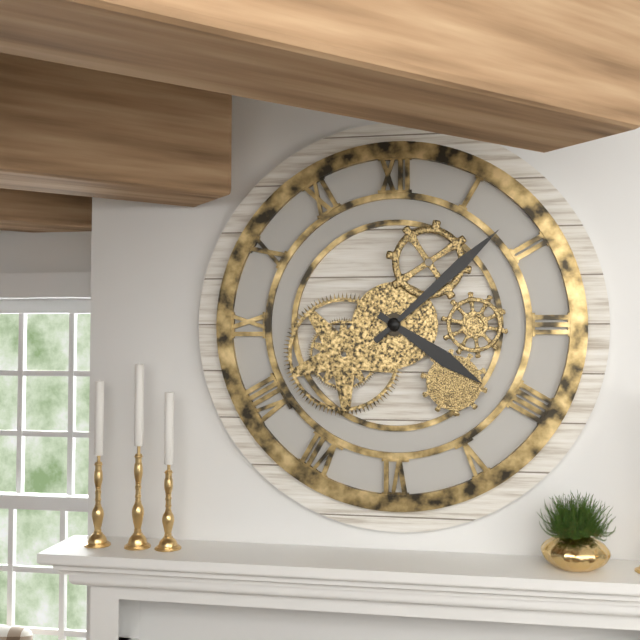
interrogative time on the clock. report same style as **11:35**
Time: **4:08**
